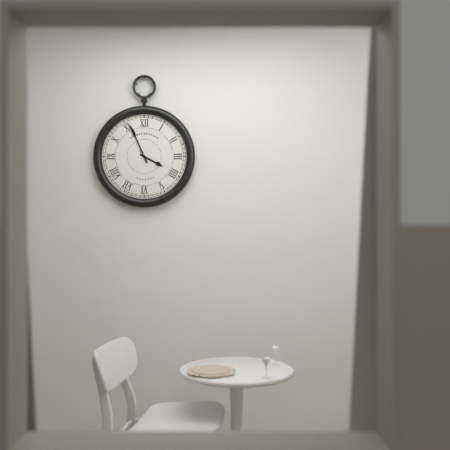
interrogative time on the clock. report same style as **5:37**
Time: **3:56**
